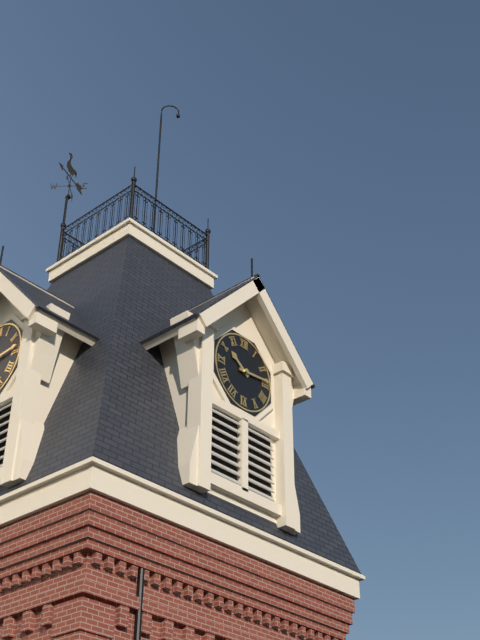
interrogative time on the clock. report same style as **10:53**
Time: **10:14**
